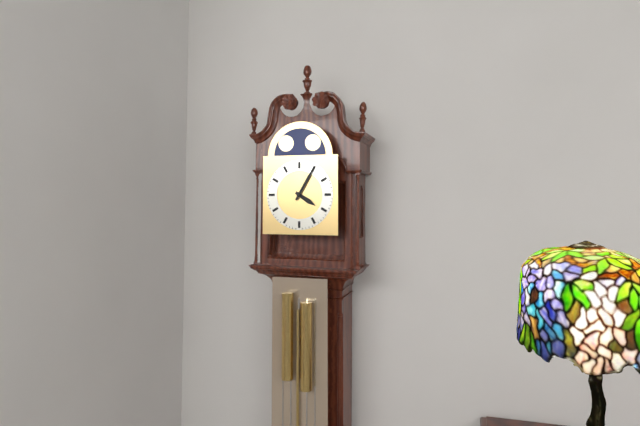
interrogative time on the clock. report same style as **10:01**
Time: **4:05**
